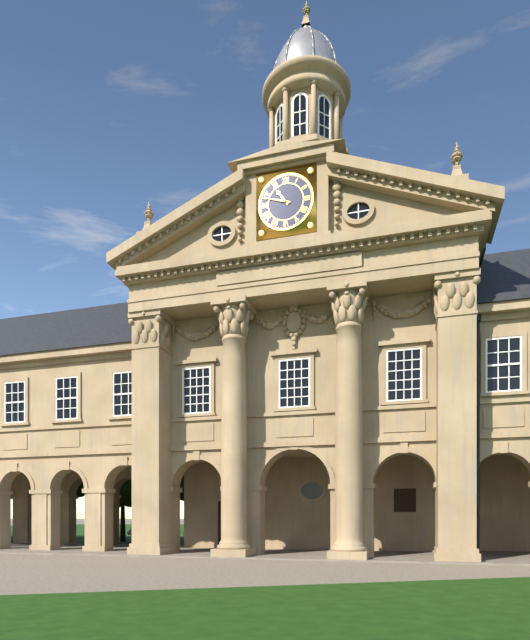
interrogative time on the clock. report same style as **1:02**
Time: **10:48**
